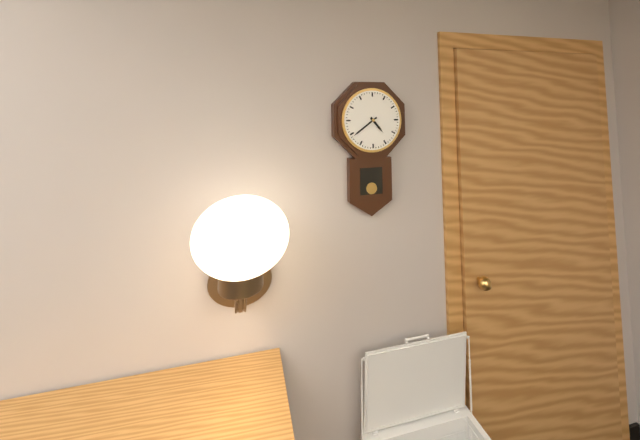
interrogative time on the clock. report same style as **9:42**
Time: **4:39**
